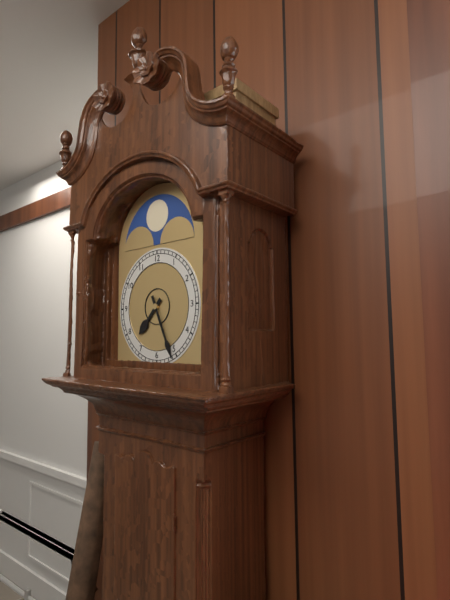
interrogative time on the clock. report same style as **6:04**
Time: **7:26**
